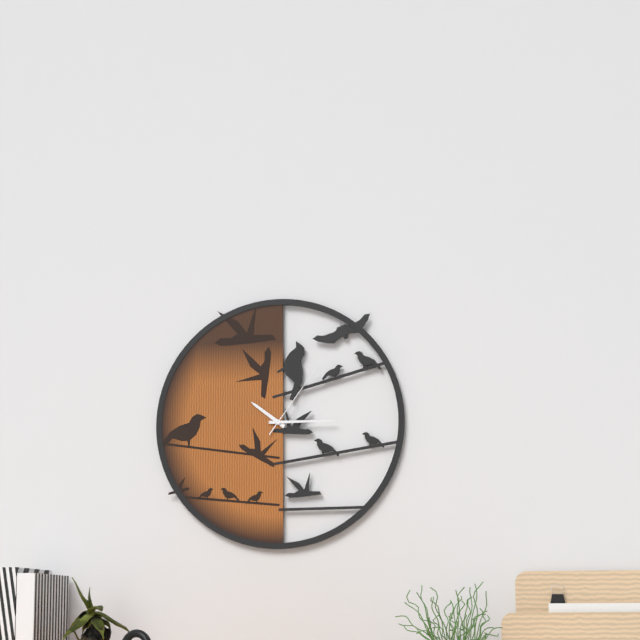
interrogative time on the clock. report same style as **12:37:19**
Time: **10:15:06**
